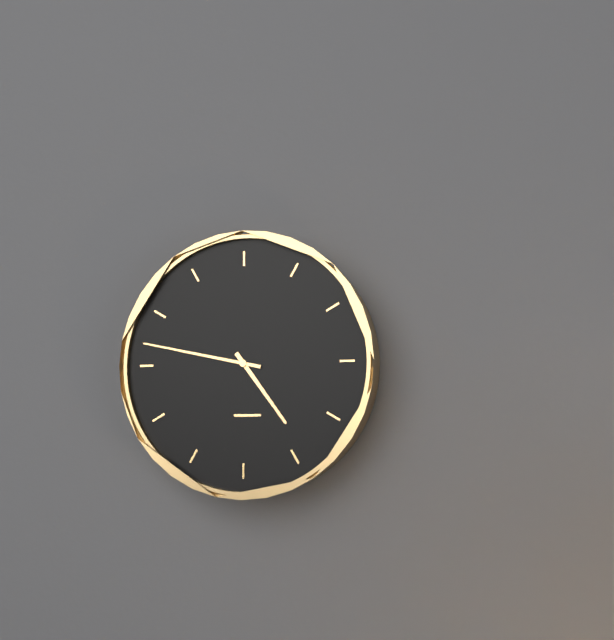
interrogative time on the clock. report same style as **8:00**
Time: **4:47**
